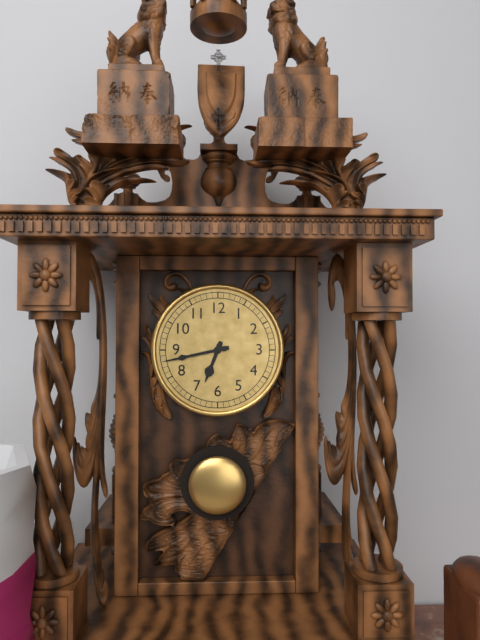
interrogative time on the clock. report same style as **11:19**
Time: **6:43**
